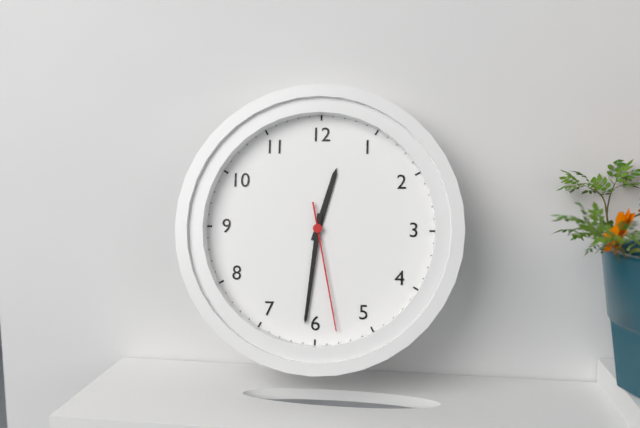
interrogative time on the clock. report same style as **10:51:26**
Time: **12:31:28**
